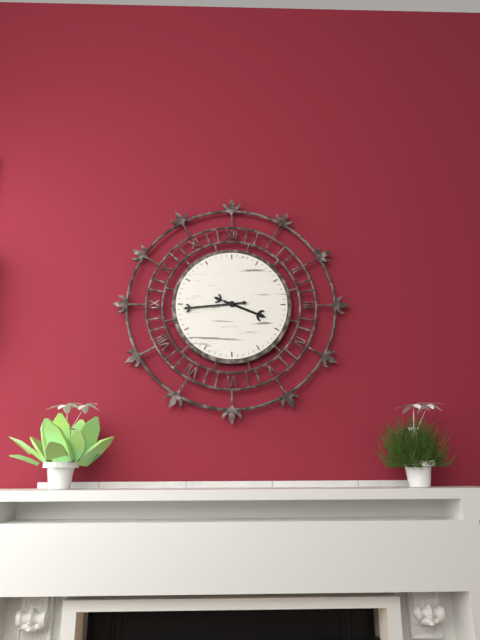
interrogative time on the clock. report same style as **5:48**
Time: **3:44**
